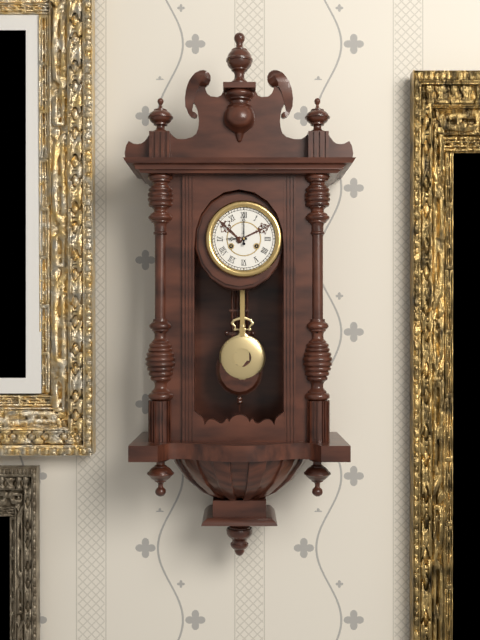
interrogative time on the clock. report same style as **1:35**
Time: **9:00**
